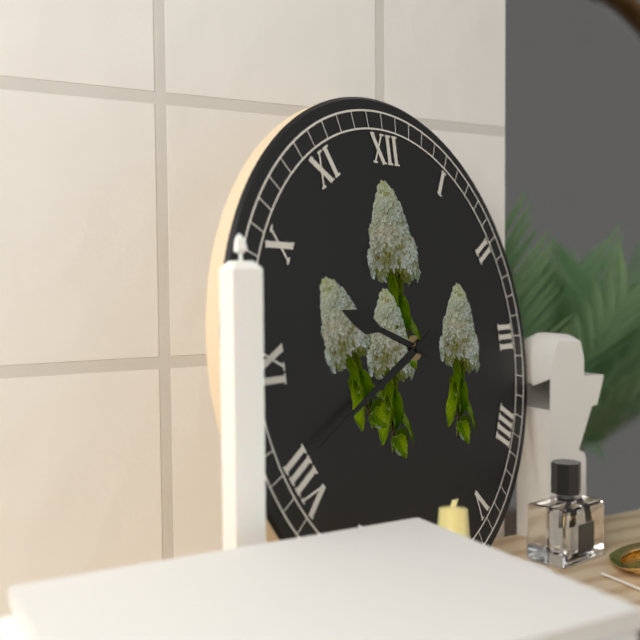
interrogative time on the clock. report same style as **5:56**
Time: **9:41**
